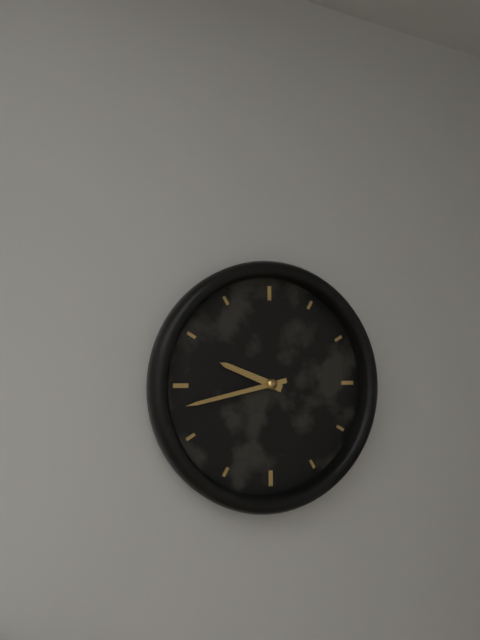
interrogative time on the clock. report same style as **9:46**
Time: **9:43**
